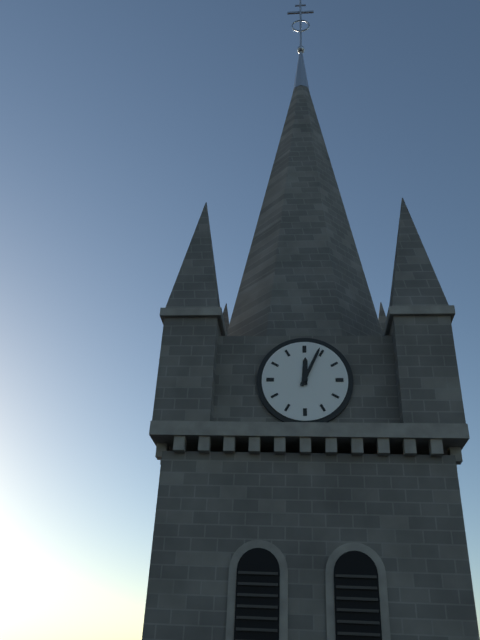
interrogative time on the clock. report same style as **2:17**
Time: **12:04**
